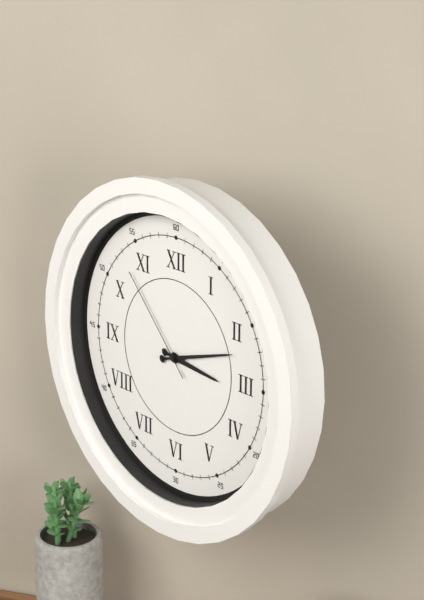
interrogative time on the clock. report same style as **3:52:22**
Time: **3:12:53**
